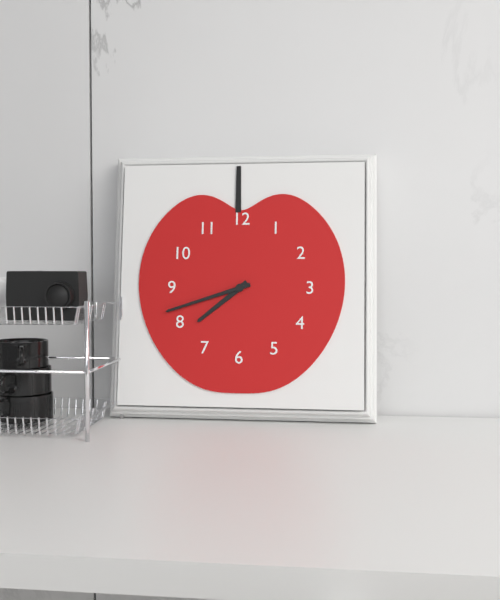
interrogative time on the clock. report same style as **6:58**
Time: **7:42**
